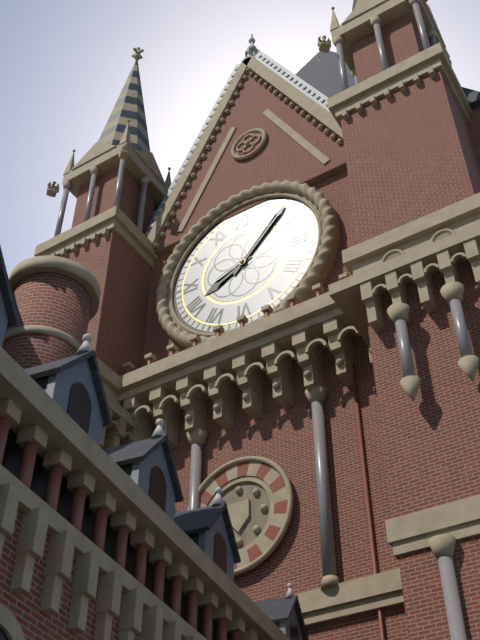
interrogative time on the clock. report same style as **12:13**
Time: **8:07**
